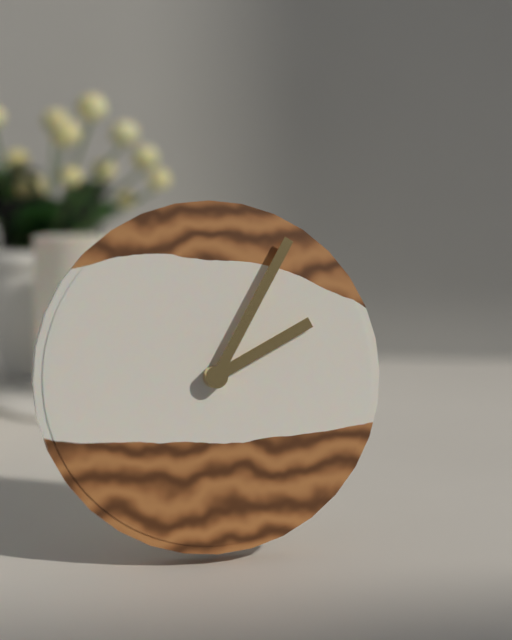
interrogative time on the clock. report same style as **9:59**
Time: **2:05**
